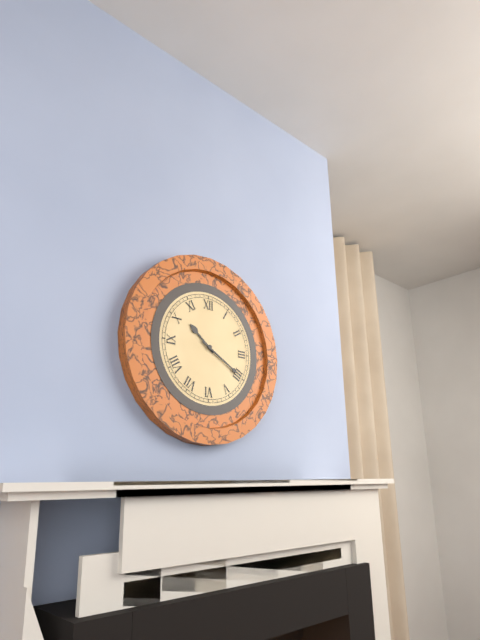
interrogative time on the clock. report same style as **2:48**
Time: **10:20**
